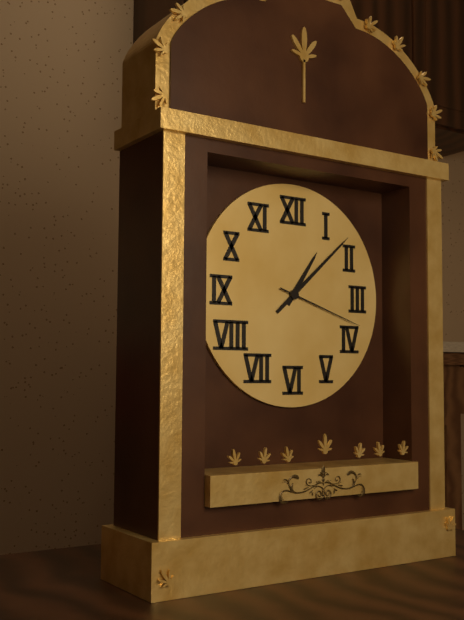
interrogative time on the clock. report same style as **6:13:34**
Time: **1:08:18**
